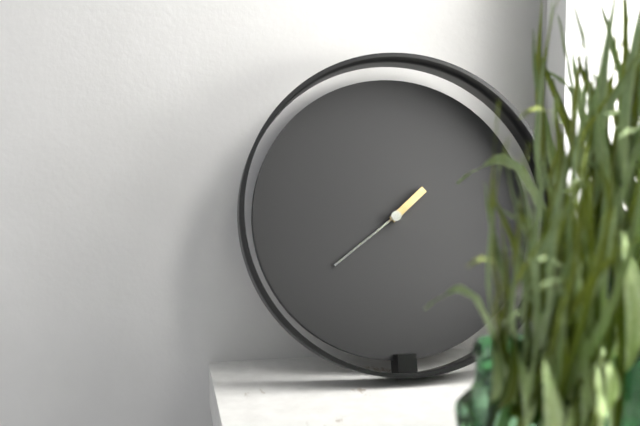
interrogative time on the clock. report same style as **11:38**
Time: **1:39**
